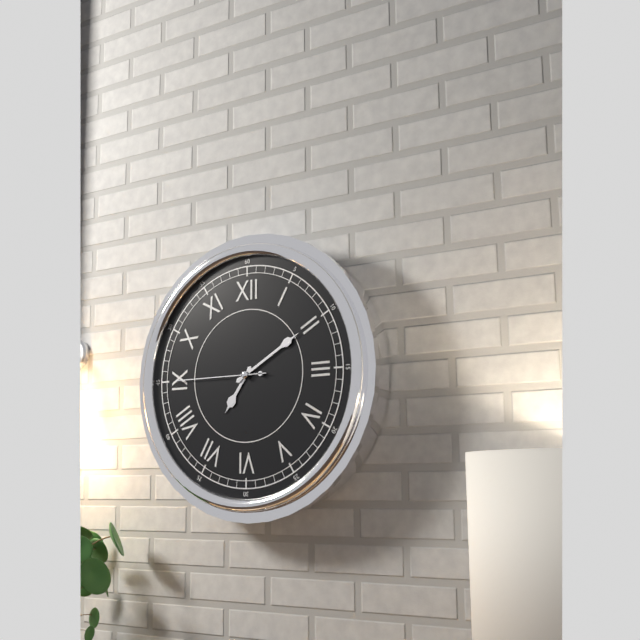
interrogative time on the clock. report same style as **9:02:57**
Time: **7:10:45**
